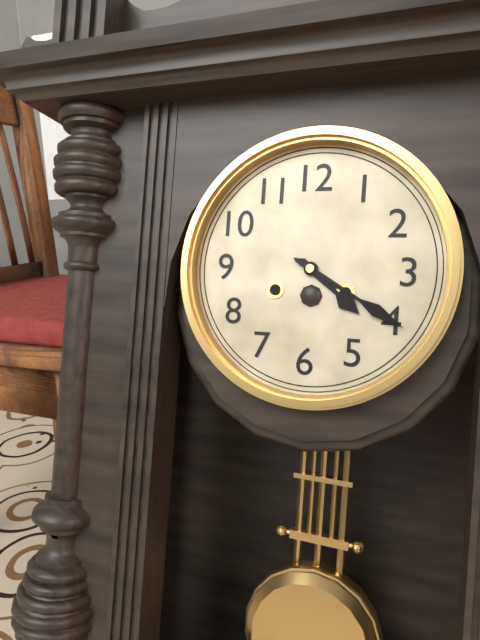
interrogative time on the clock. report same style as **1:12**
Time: **4:20**
